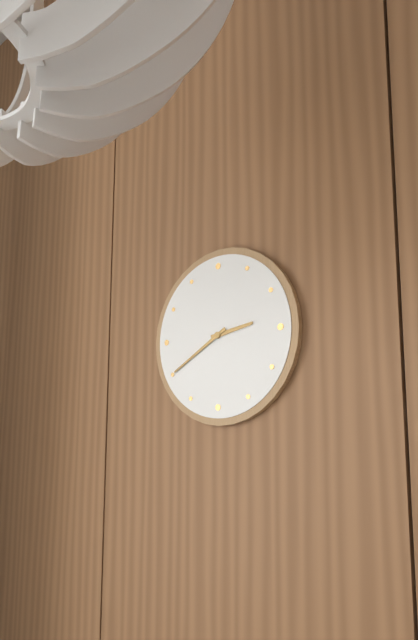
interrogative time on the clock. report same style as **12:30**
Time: **2:40**
